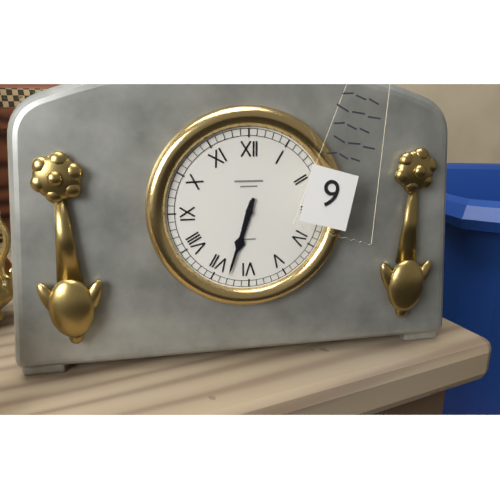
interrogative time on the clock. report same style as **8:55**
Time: **6:33**
